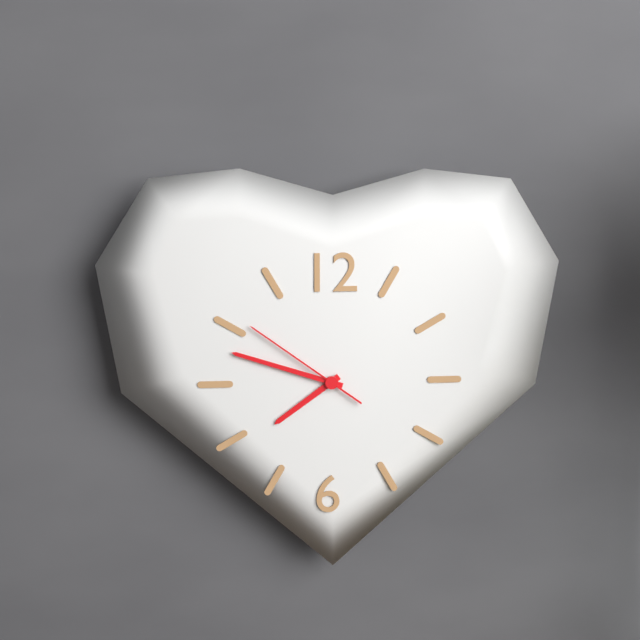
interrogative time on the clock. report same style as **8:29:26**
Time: **7:48:51**
